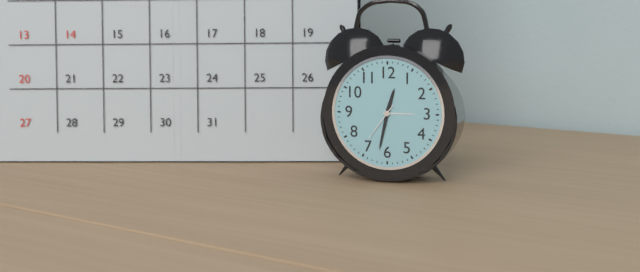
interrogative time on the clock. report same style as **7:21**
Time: **12:32**
